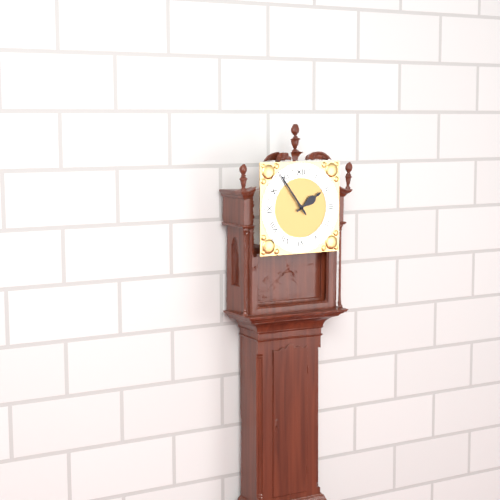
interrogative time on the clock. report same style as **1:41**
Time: **1:54**
